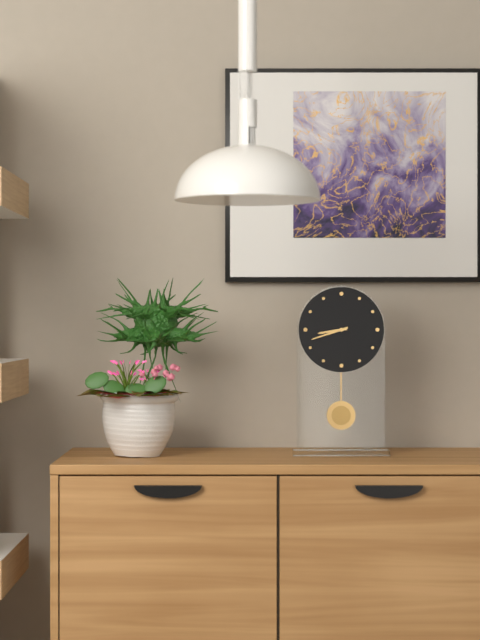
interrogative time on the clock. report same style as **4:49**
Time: **8:42**
